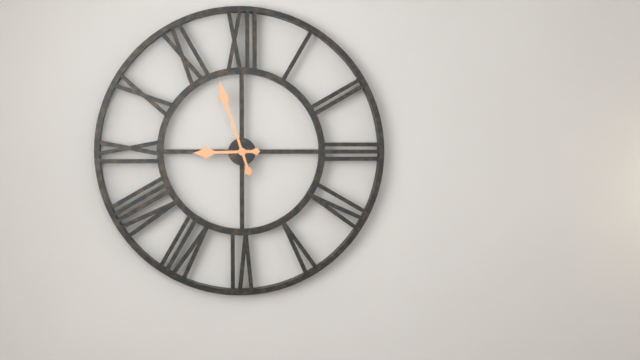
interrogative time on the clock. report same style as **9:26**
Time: **8:57**
